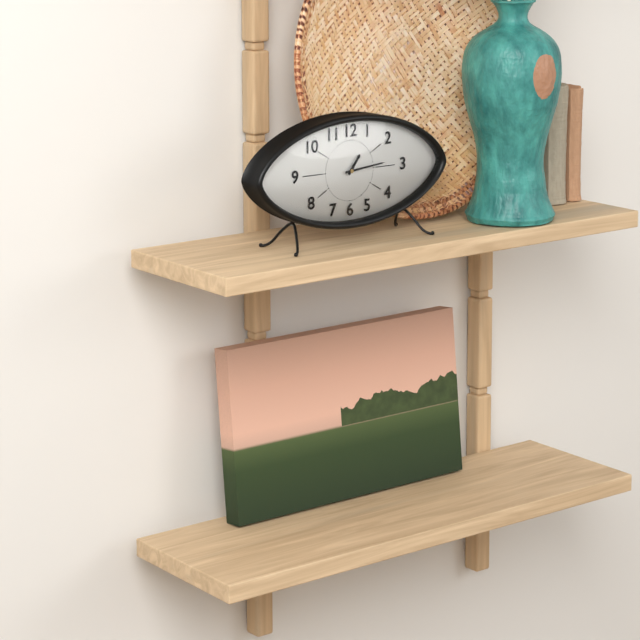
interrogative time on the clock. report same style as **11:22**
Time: **1:14**
